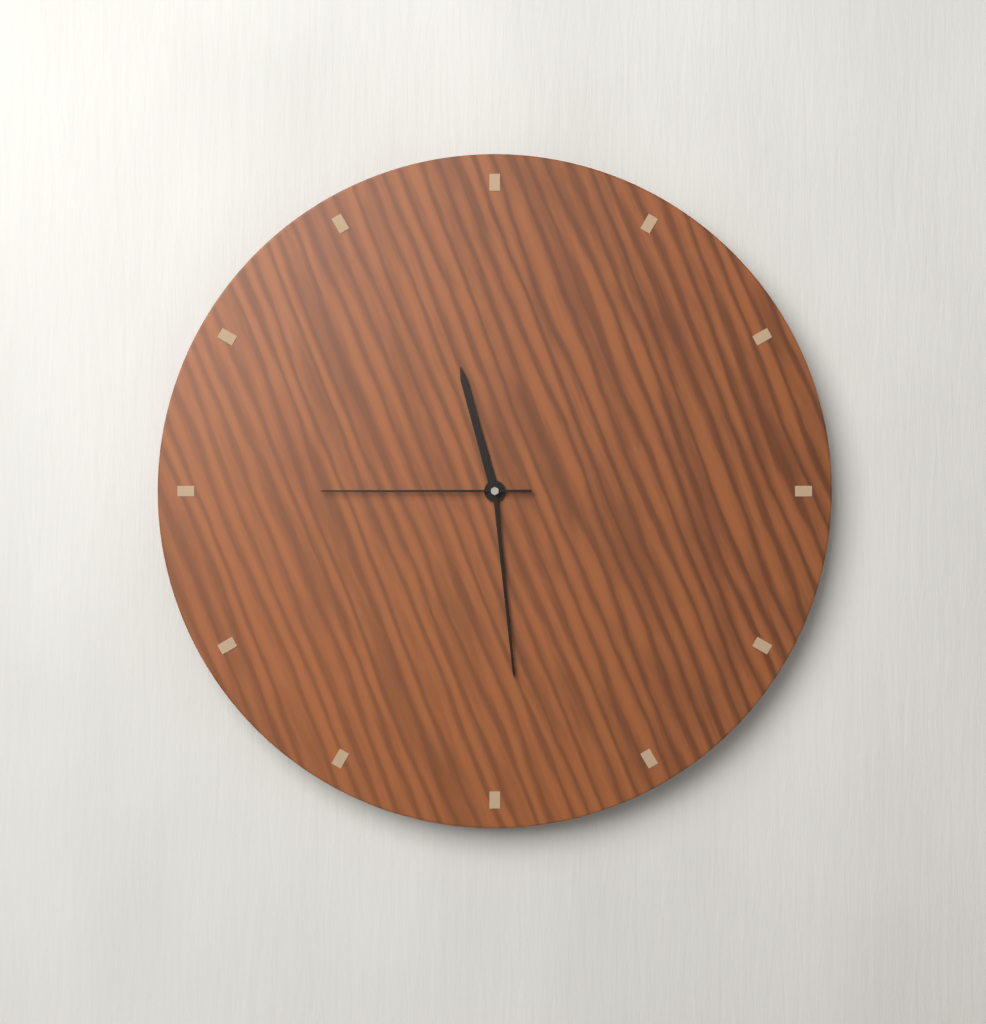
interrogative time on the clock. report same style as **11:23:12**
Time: **11:29:45**
